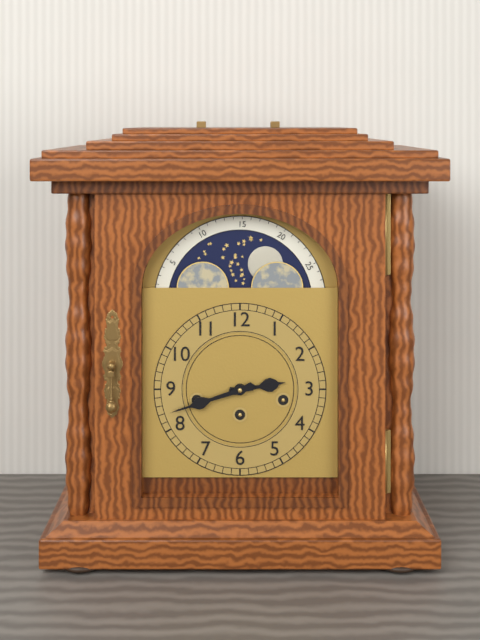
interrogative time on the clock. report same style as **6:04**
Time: **2:42**
